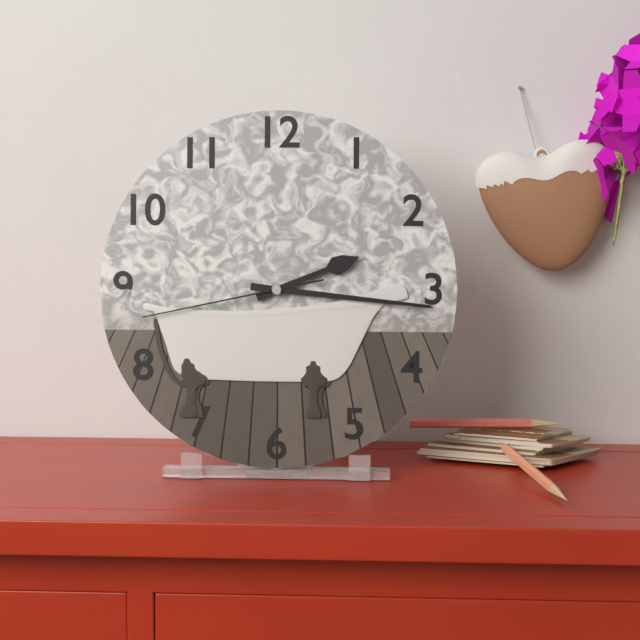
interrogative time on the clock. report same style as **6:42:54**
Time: **2:16:43**
